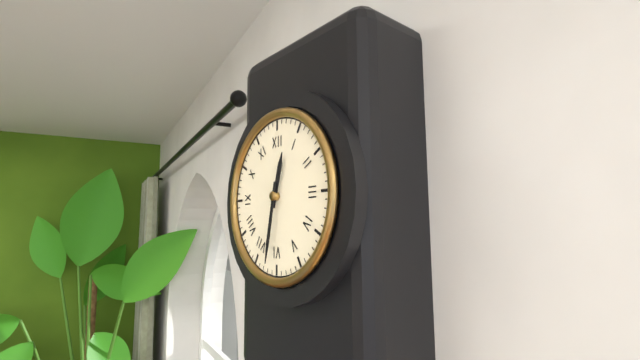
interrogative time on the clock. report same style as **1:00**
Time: **12:32**
